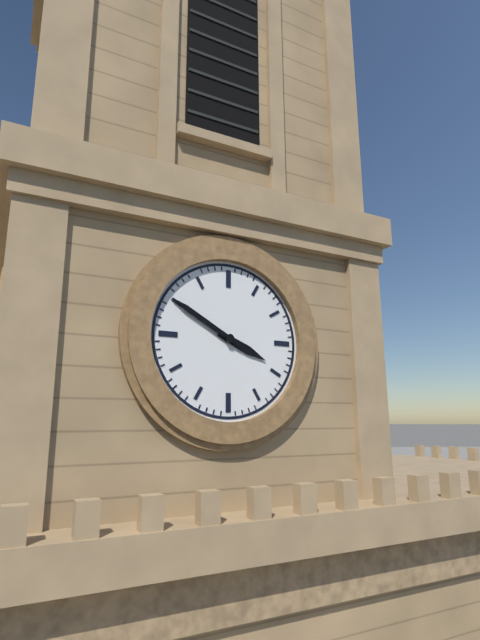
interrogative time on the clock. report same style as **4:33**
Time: **3:50**
